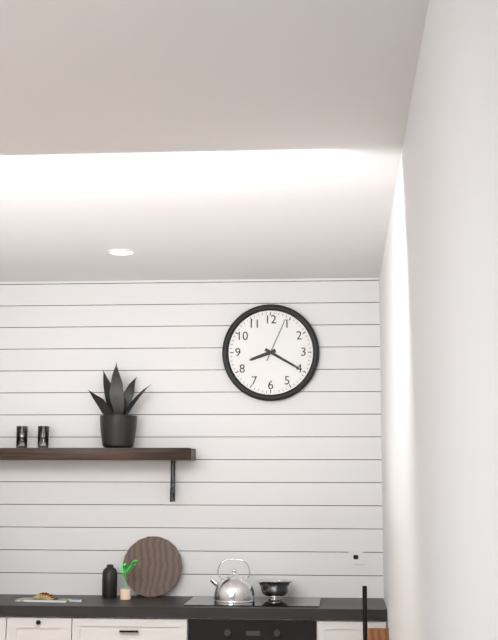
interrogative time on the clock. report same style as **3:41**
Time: **8:20**
